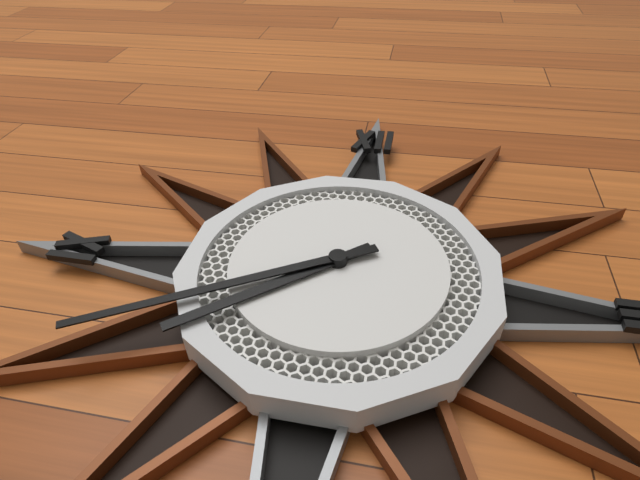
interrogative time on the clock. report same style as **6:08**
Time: **7:40**
